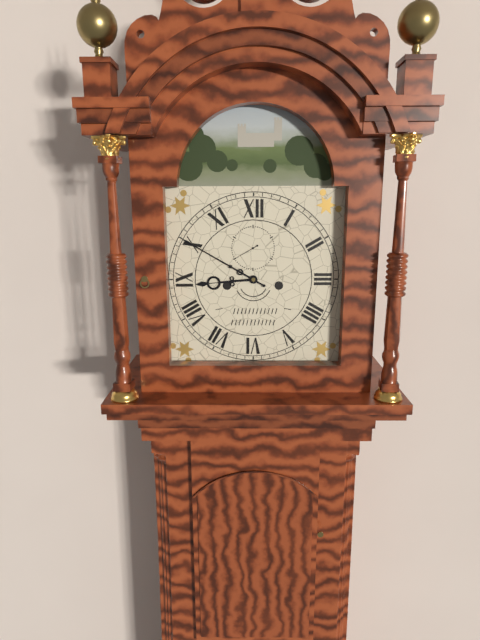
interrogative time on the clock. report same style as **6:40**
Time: **8:50**
